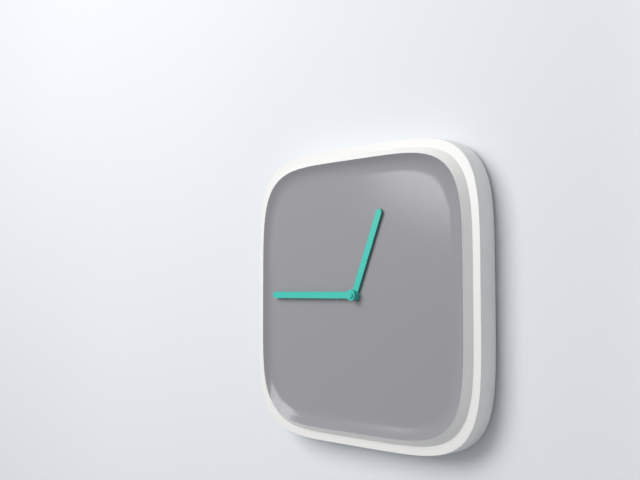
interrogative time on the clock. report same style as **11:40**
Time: **12:45**
